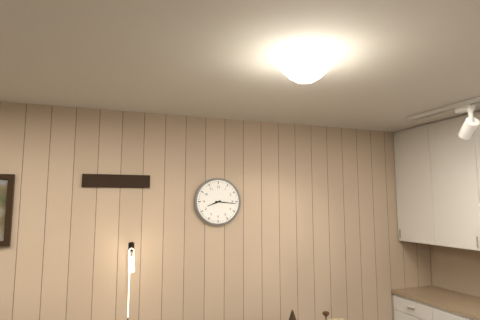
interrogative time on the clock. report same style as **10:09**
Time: **8:16**
